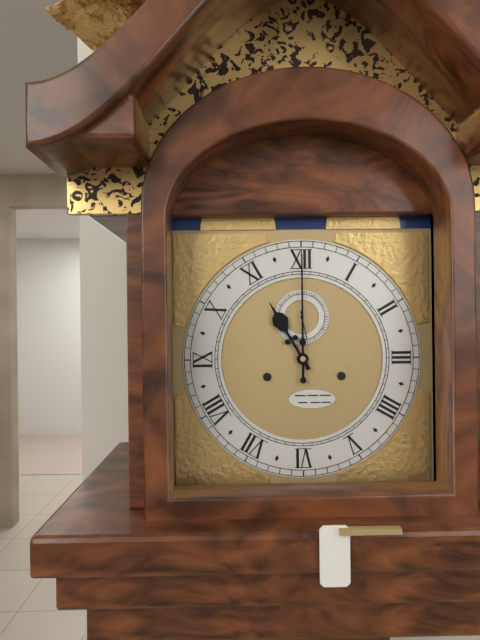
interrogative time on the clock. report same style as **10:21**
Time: **11:00**
